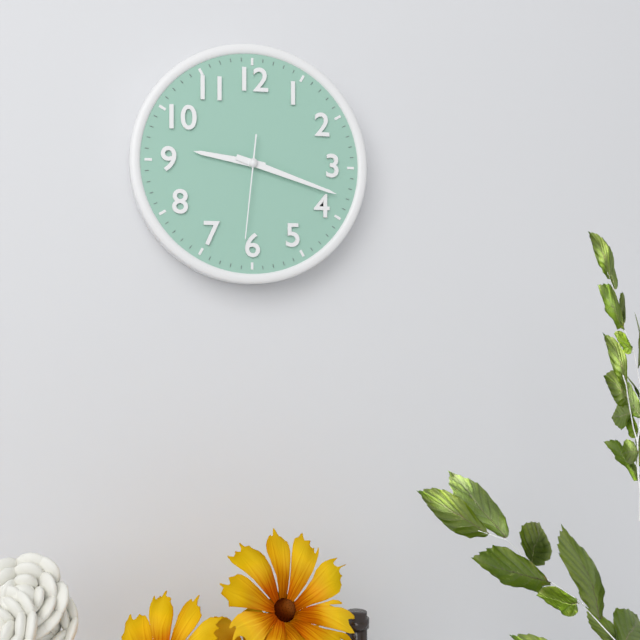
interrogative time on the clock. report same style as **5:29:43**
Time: **9:18:31**
